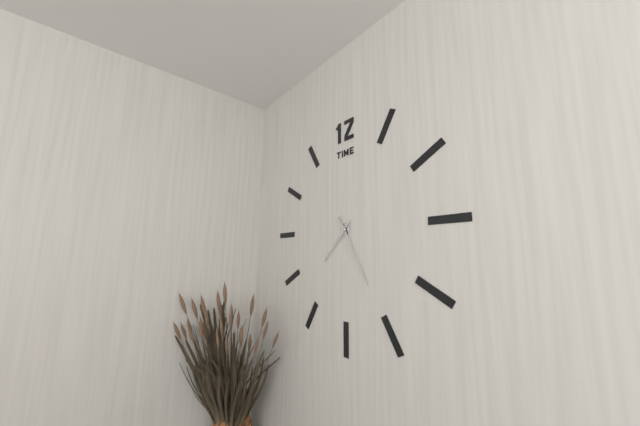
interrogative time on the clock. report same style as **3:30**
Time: **7:25**
